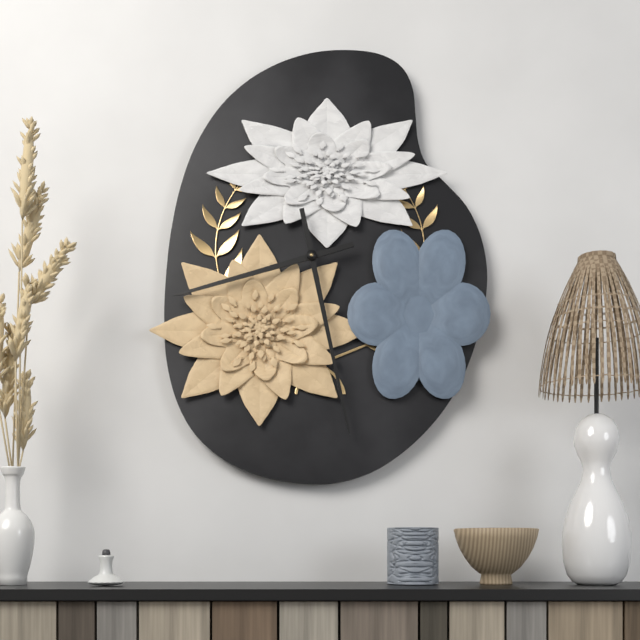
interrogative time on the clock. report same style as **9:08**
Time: **8:28**
